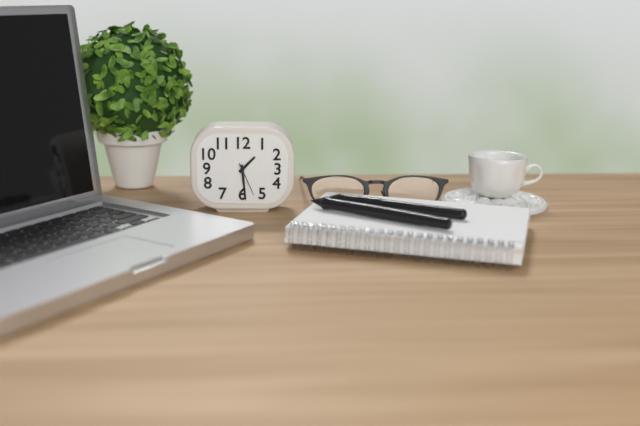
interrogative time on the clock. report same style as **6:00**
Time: **1:29**
